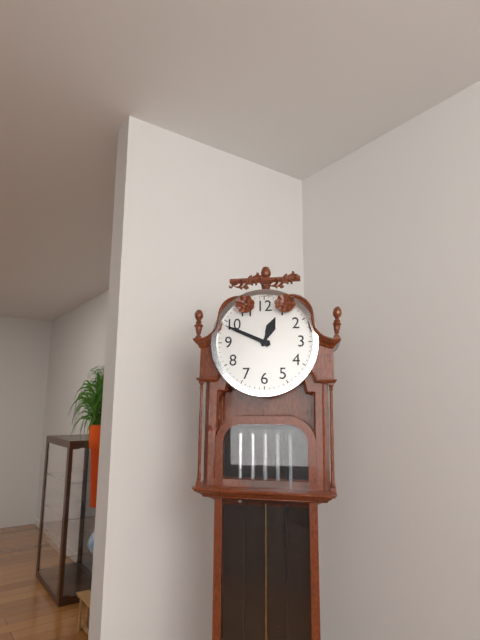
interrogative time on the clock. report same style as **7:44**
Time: **12:49**
